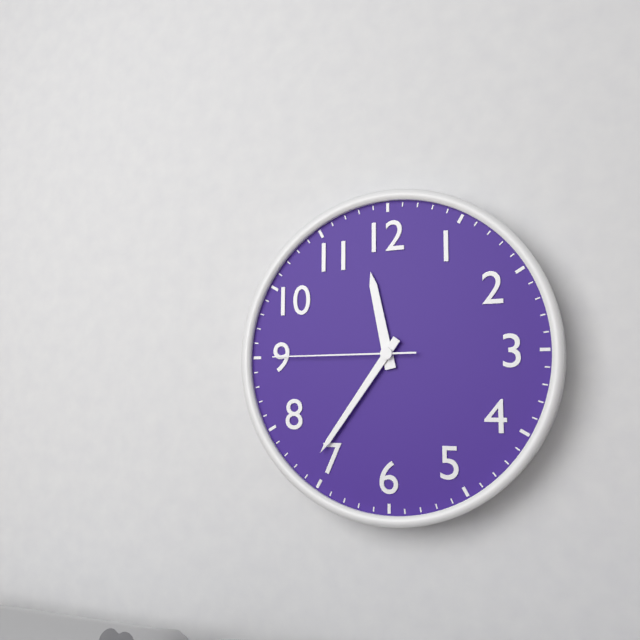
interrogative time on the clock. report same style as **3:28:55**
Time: **11:36:45**
